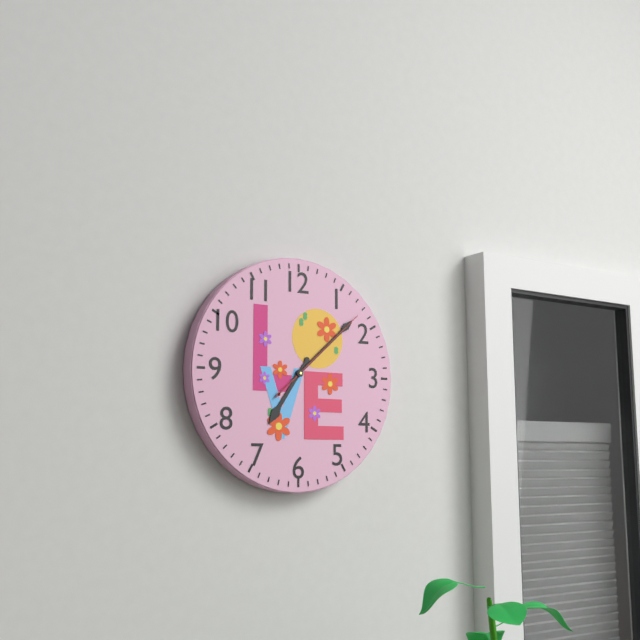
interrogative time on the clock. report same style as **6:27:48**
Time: **7:08:08**
